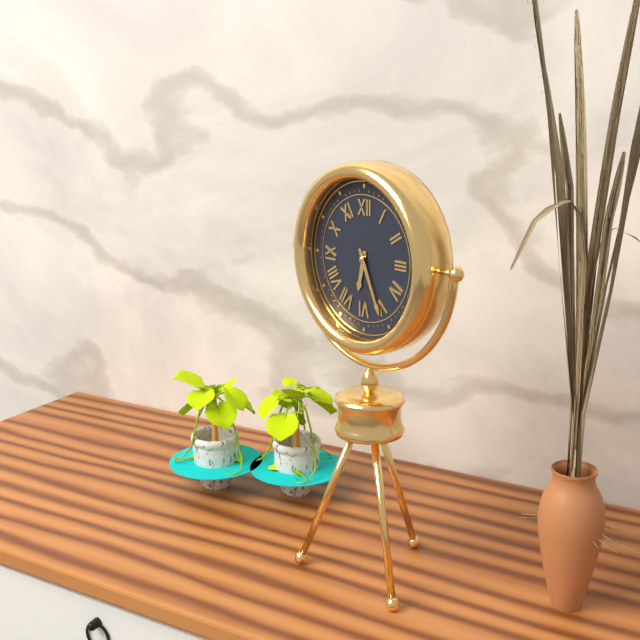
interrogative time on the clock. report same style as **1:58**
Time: **6:26**
